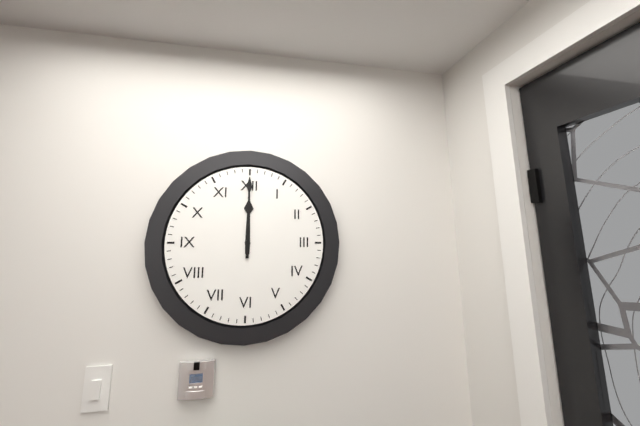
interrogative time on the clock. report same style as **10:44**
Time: **12:00**
